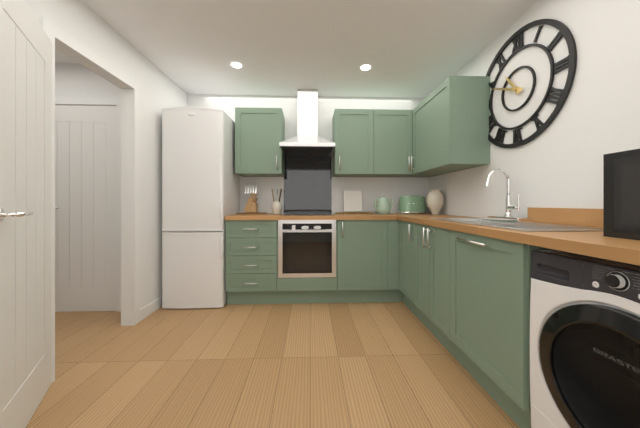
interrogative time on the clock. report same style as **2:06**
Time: **10:49**
